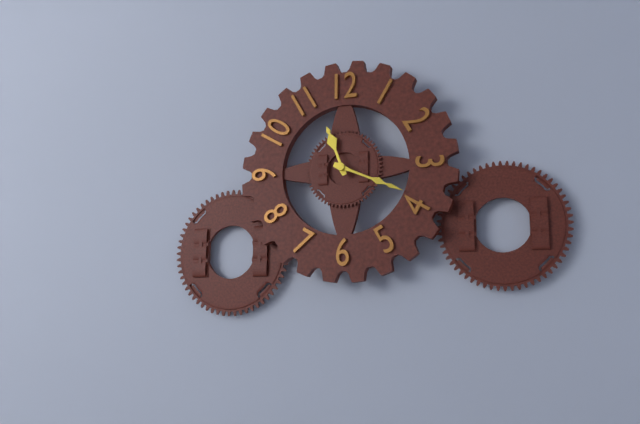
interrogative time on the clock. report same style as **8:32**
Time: **11:19**
